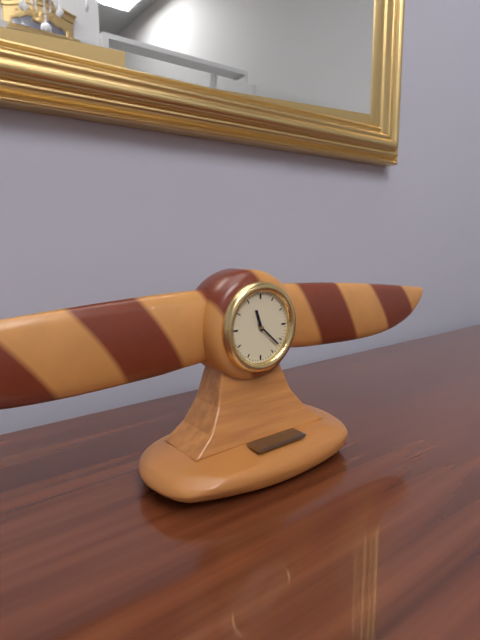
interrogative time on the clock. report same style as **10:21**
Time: **11:22**
